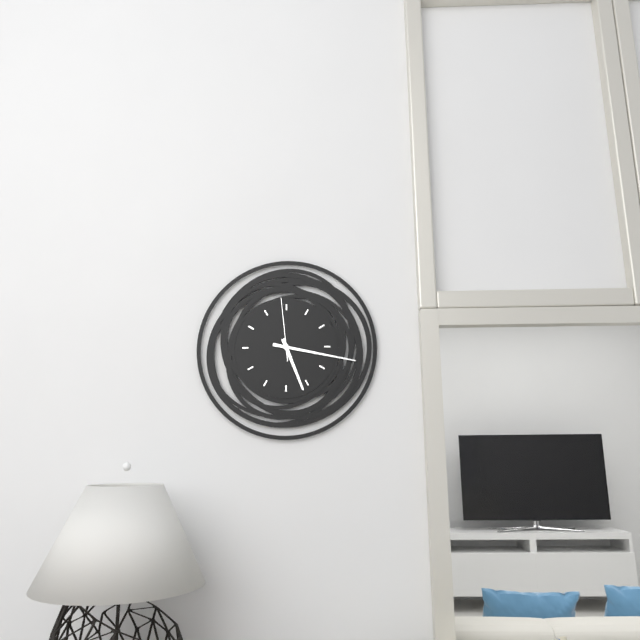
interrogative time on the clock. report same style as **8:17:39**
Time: **5:17:59**
